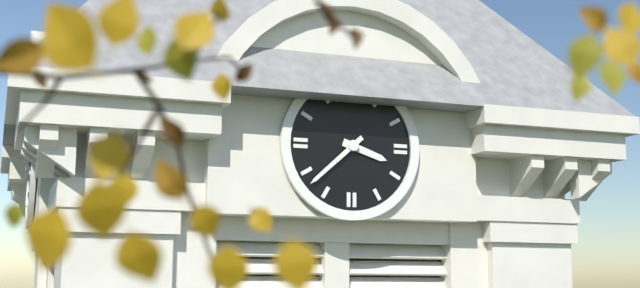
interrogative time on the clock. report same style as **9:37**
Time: **3:38**
